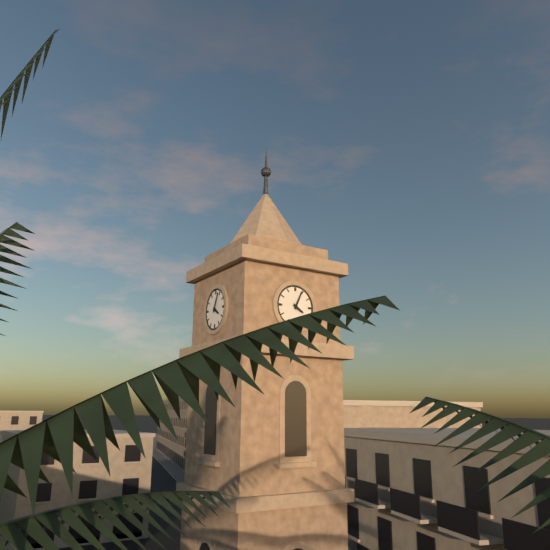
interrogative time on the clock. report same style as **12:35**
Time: **4:04**
